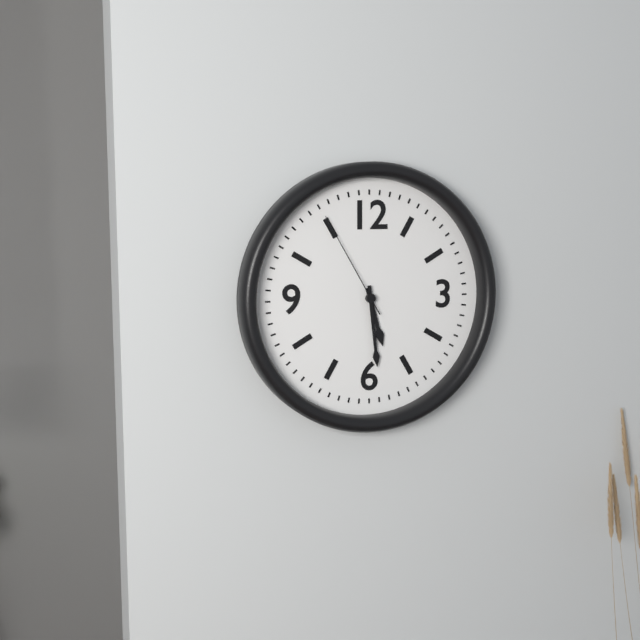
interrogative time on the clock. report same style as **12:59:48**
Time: **5:29:55**
